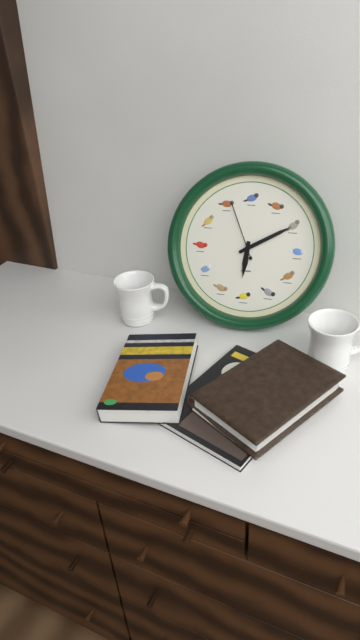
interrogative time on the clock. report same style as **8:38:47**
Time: **6:10:56**
